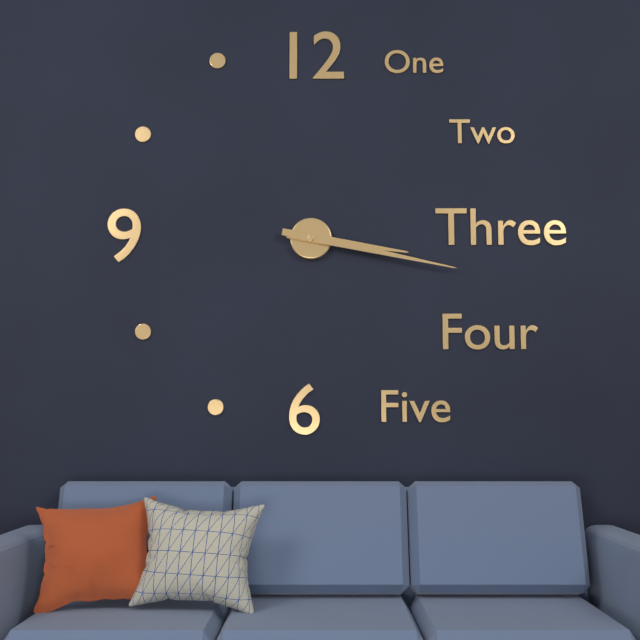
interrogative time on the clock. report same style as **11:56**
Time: **3:17**
